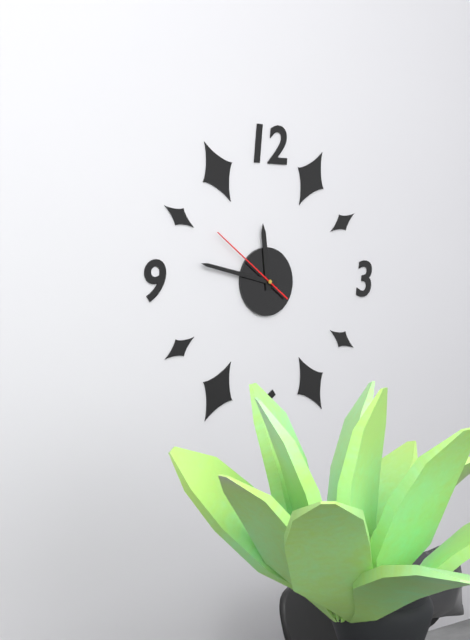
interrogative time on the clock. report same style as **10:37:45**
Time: **11:47:51**
